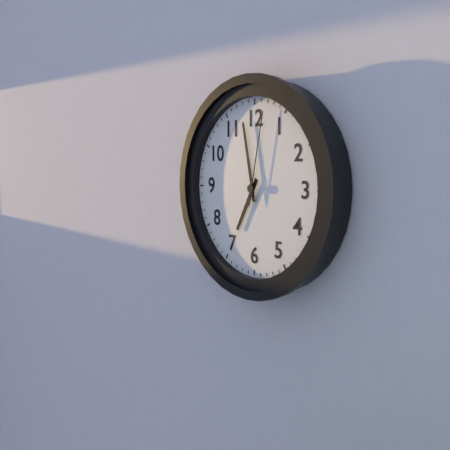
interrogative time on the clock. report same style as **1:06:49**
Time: **6:58:02**
